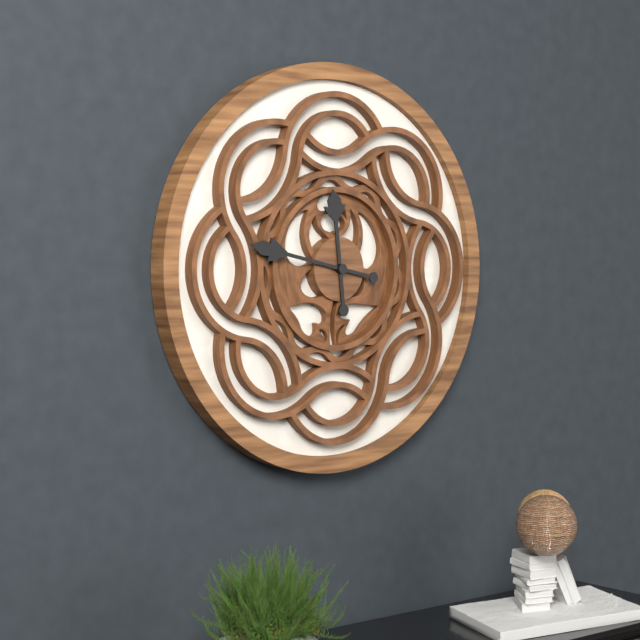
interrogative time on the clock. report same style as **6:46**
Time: **11:47**
